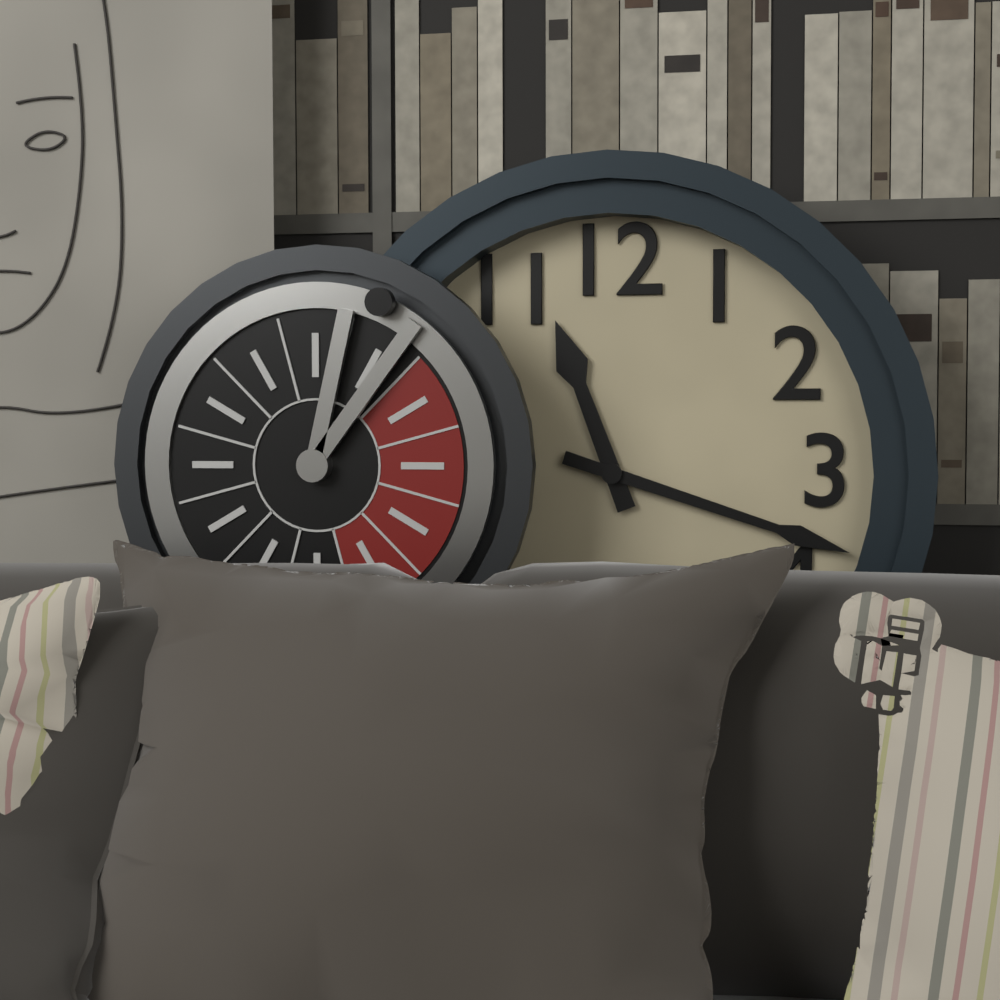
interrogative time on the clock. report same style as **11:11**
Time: **11:18**
